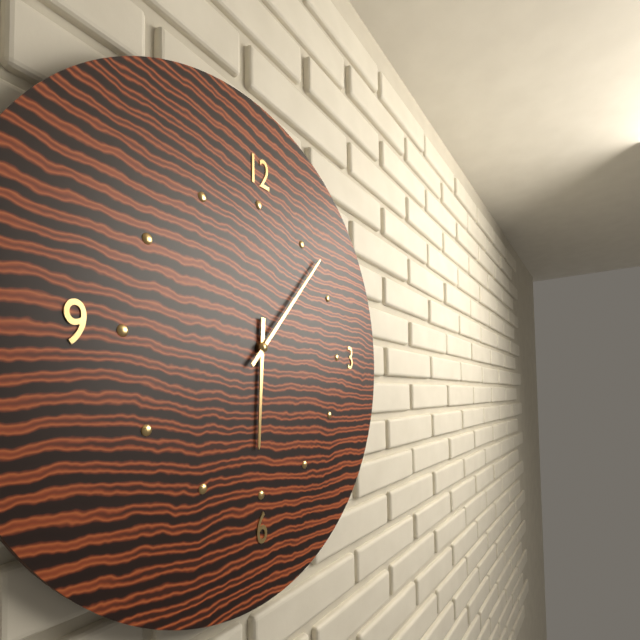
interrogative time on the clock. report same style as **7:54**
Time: **6:07**
